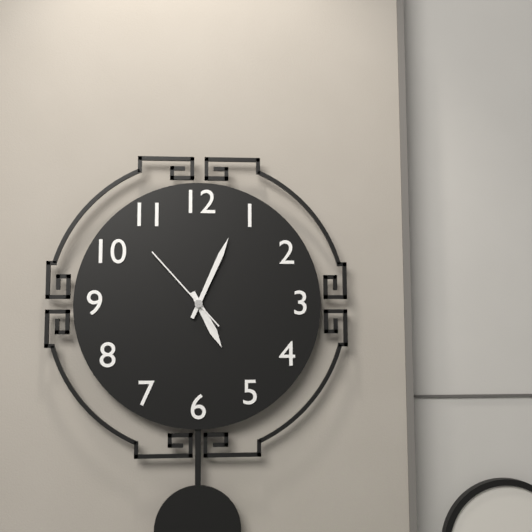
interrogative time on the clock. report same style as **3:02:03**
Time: **5:04:53**
